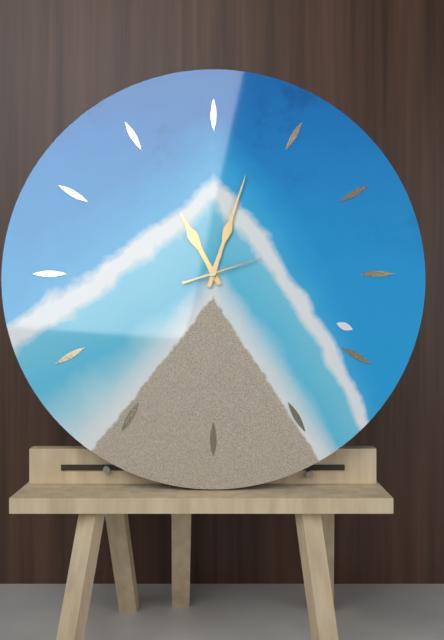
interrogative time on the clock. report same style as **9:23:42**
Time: **11:03:12**
